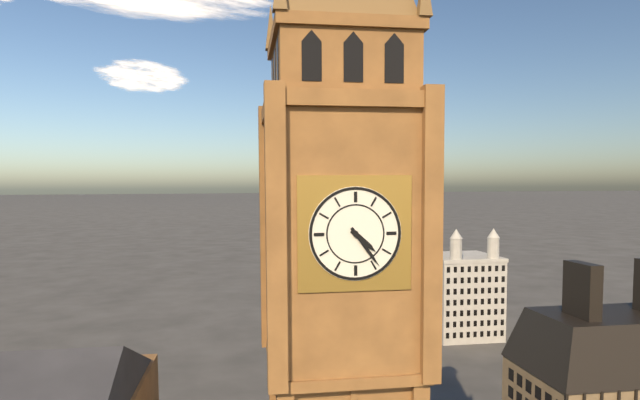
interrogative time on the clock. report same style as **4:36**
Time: **4:24**
